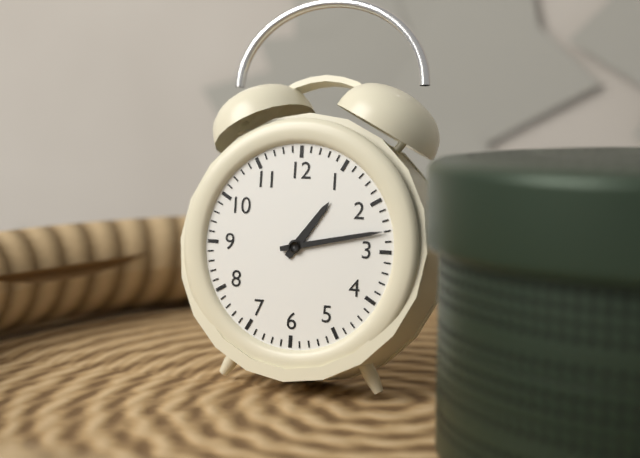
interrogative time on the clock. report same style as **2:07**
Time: **1:13**
